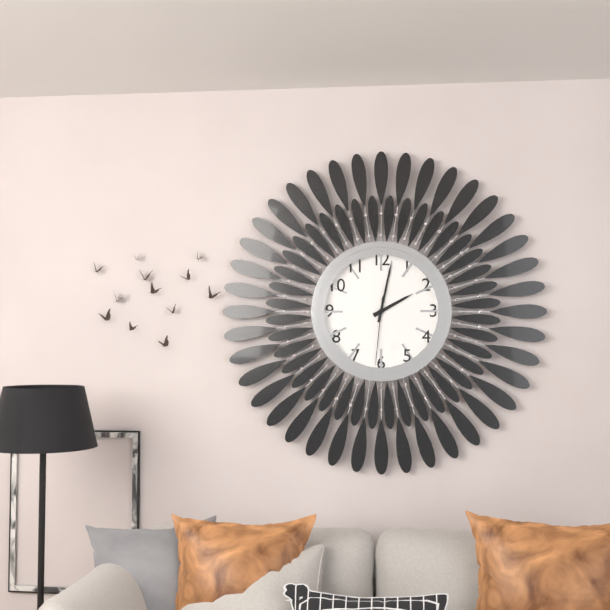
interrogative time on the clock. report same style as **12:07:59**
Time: **2:02:31**
